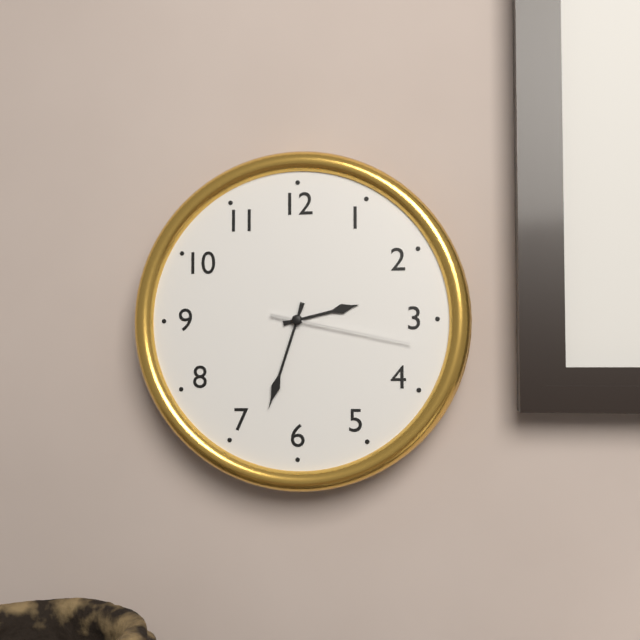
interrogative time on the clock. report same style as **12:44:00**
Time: **2:33:17**
